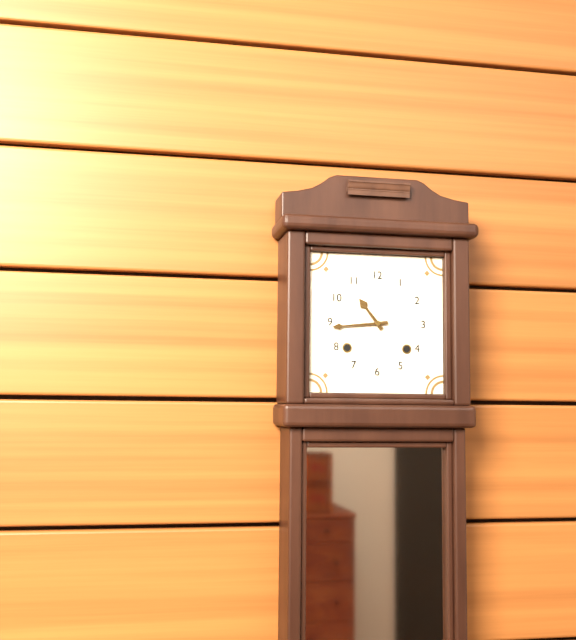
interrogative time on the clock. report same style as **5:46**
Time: **10:44**
